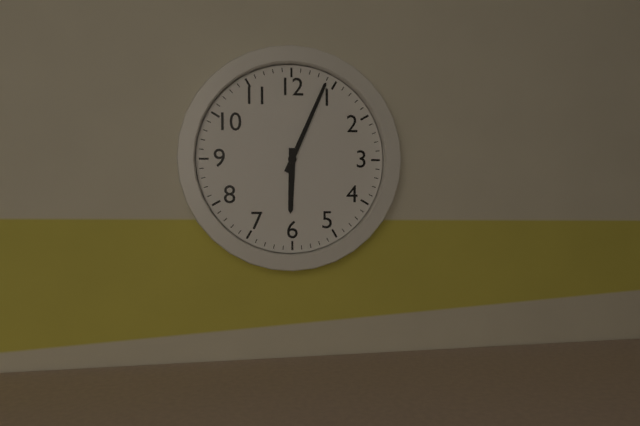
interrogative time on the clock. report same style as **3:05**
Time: **6:04**
